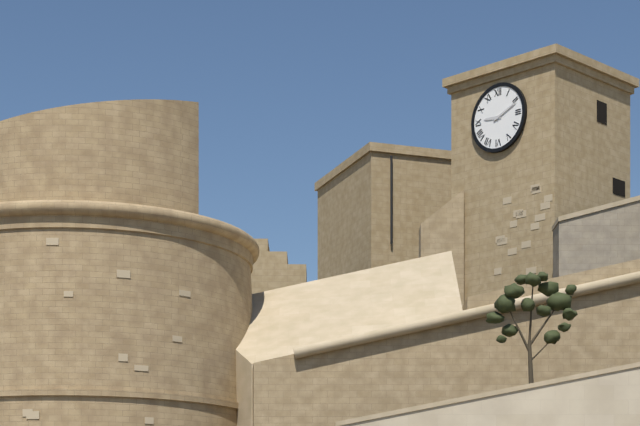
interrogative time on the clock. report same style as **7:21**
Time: **9:11**
